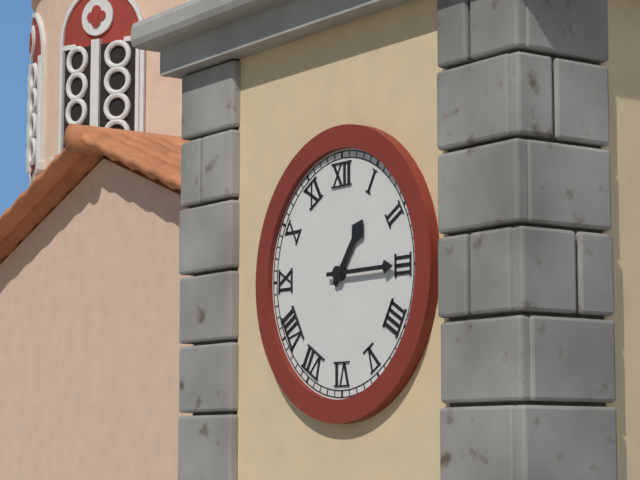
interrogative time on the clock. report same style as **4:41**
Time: **1:15**
